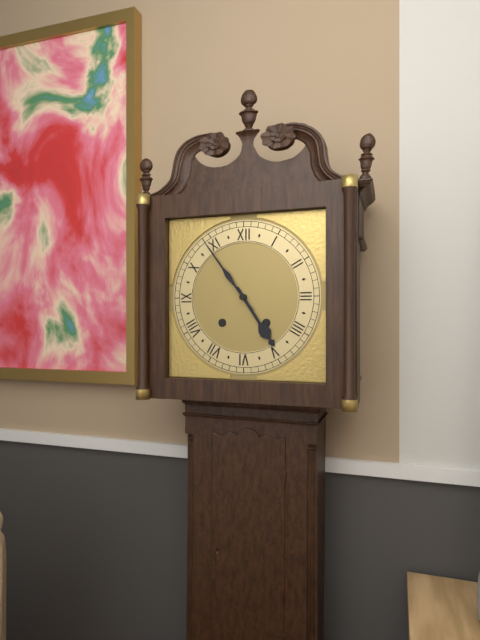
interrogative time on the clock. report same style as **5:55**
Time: **4:54**
